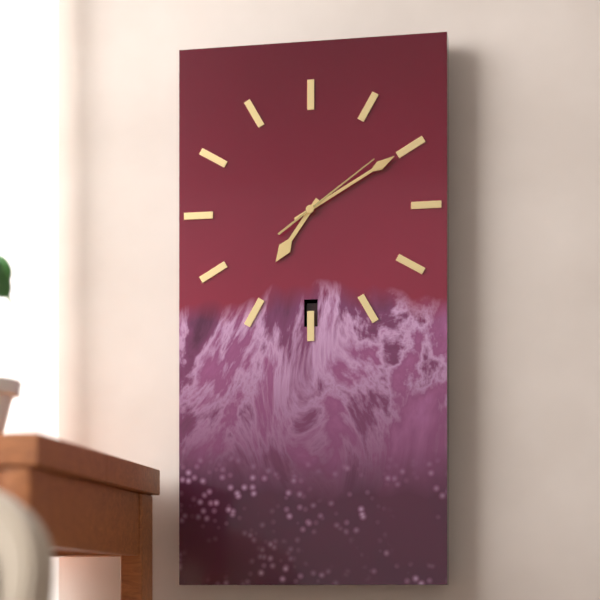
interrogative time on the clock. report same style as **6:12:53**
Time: **7:10:09**
